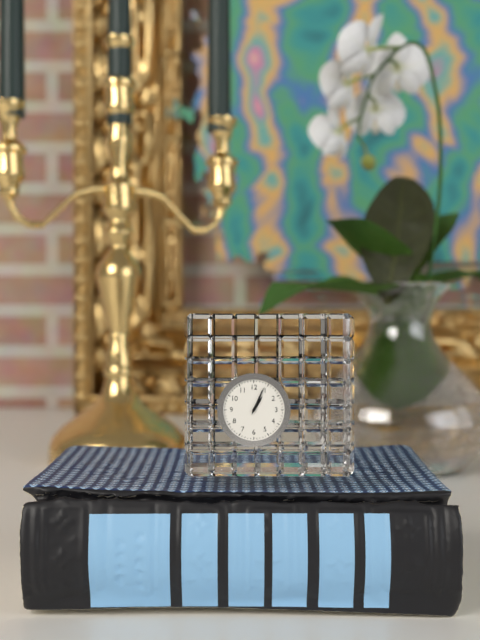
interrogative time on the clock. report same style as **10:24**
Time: **1:04**
